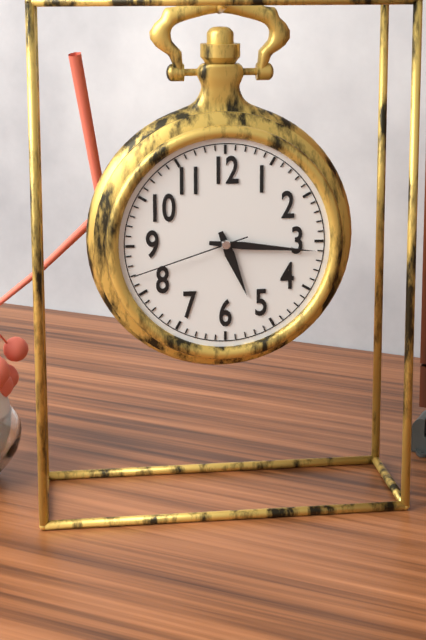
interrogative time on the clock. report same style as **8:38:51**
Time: **5:16:42**
